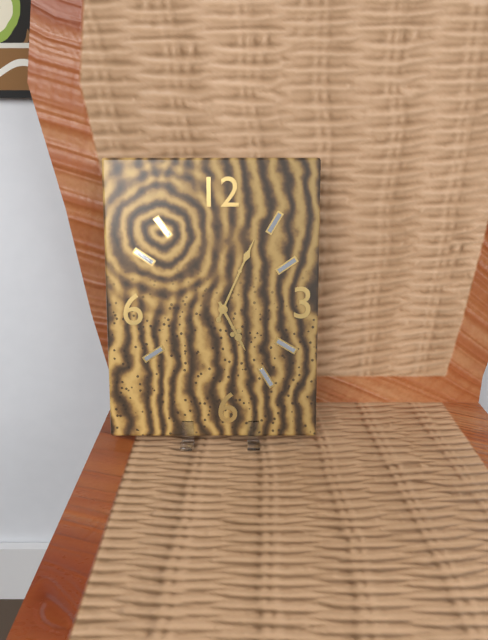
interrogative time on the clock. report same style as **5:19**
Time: **5:04**
